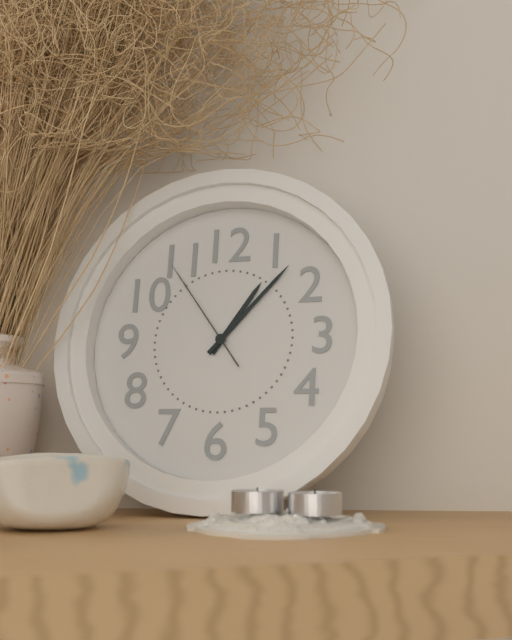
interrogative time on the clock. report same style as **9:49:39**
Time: **1:07:54**
